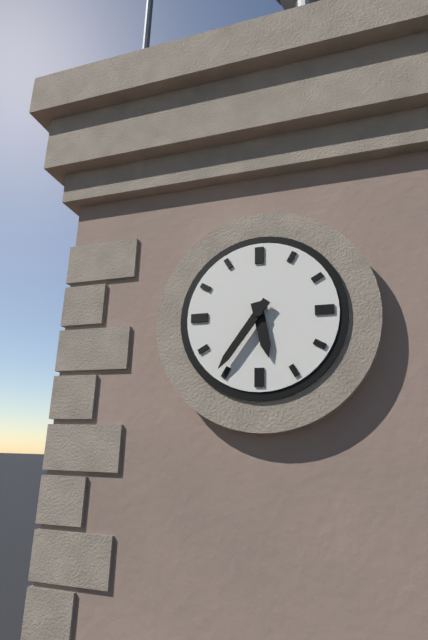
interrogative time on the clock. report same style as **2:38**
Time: **5:36**
